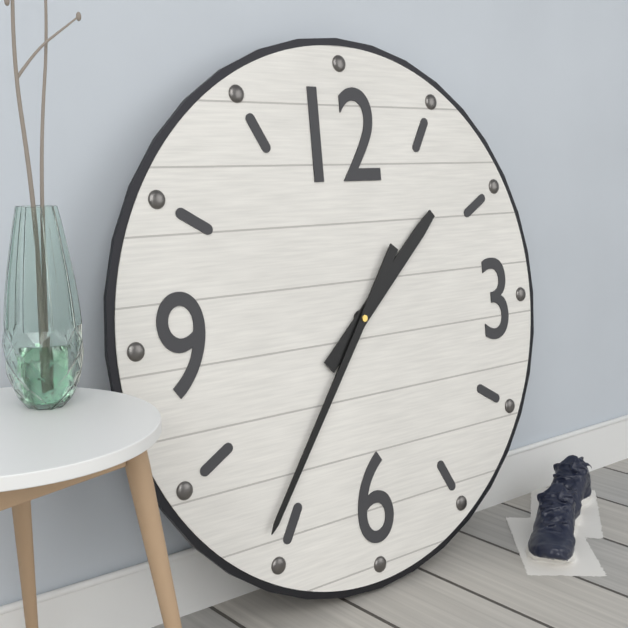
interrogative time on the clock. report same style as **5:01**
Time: **1:36**
